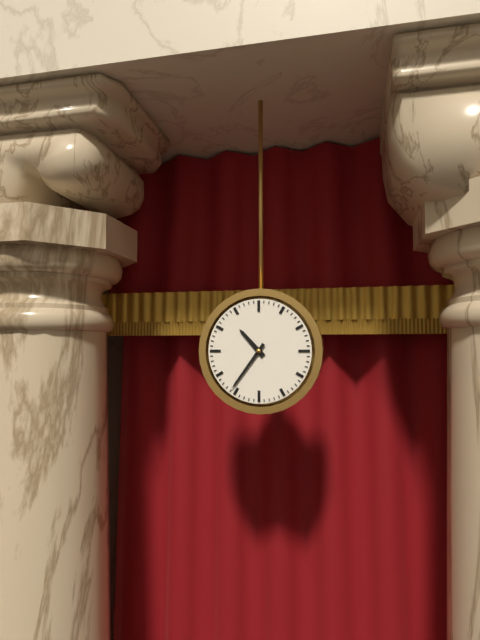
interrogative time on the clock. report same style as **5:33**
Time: **10:36**
